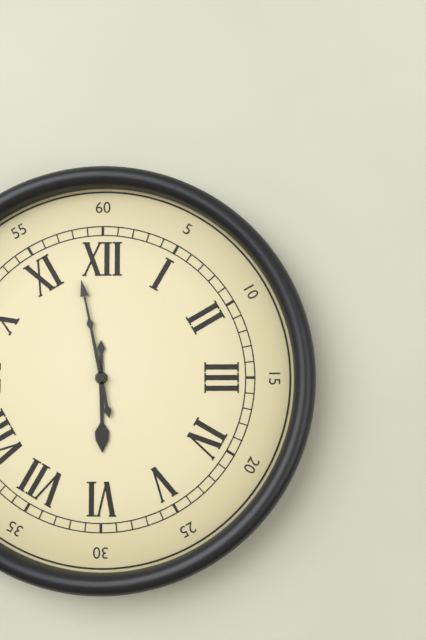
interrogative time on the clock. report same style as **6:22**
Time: **5:58**
